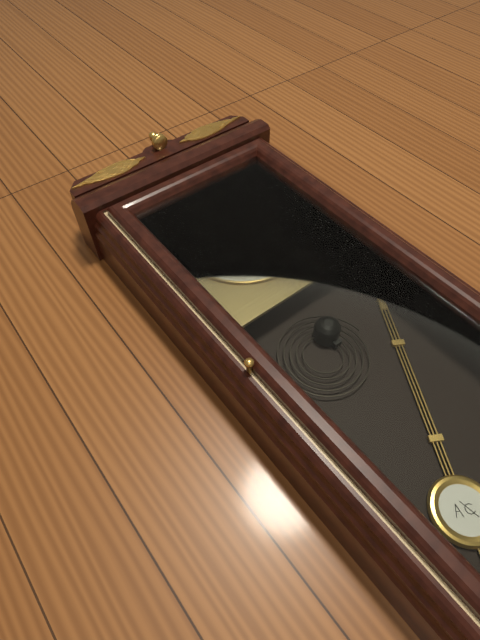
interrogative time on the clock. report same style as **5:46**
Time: **3:40**
